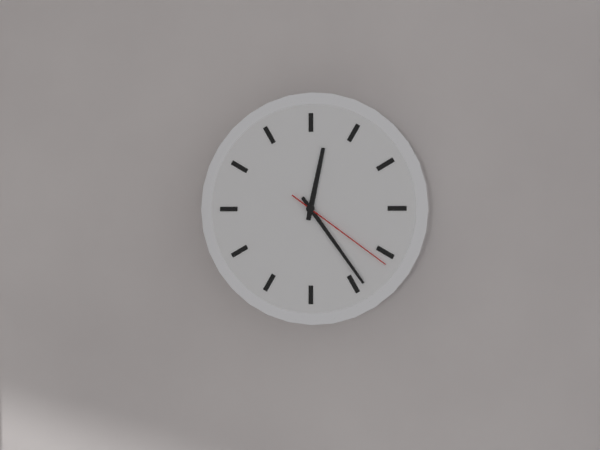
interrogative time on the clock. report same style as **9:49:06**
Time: **12:24:21**
